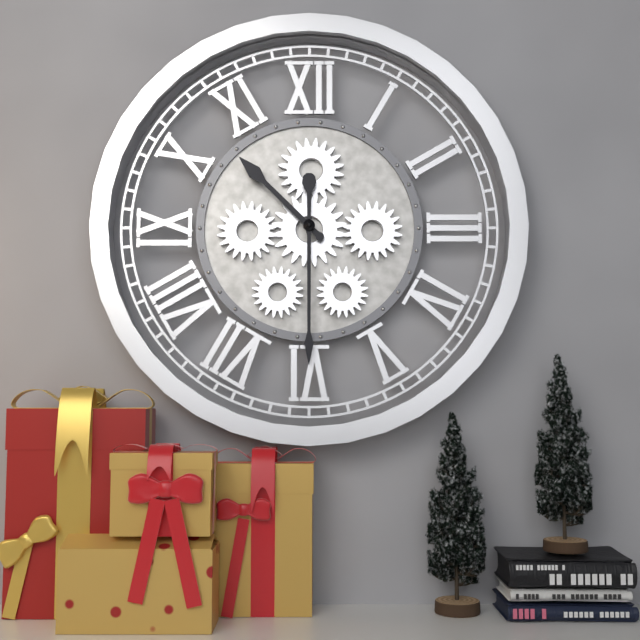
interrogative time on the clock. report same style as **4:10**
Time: **10:30**
